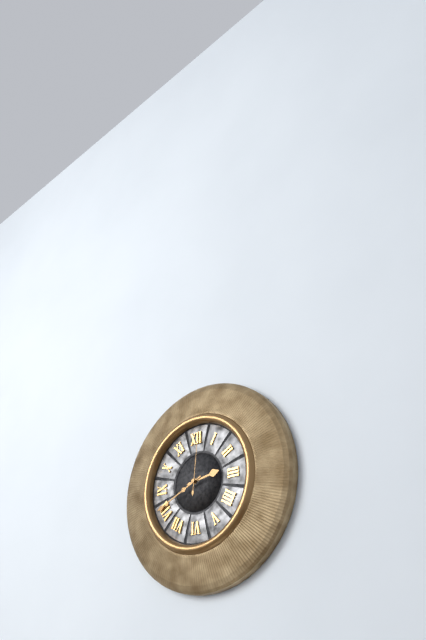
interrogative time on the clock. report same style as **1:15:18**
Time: **2:41:01**
